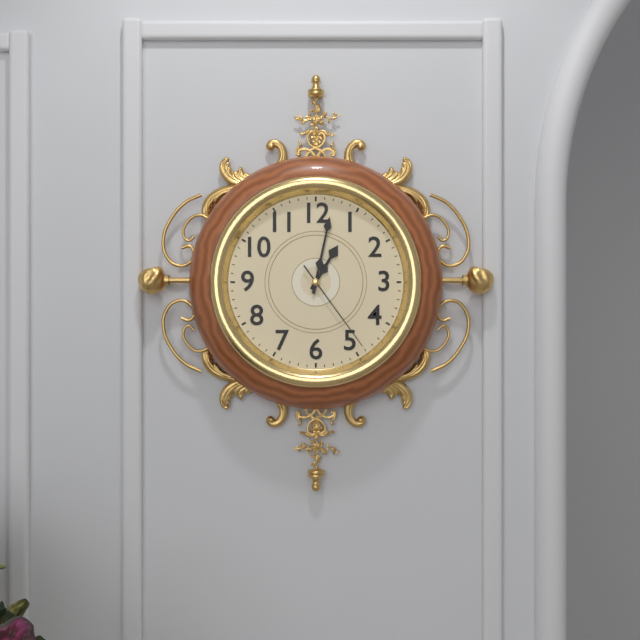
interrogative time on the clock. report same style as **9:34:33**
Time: **1:02:24**
